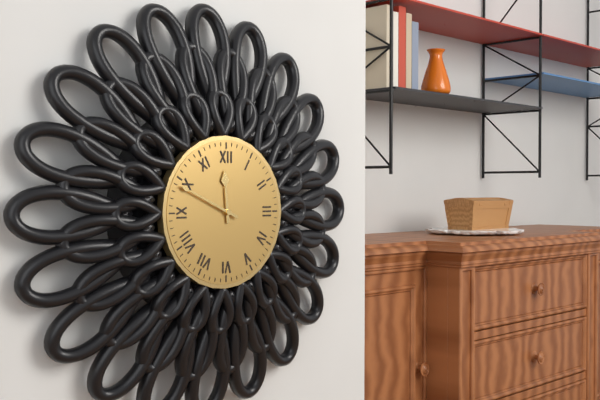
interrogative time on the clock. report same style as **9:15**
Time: **11:49**
